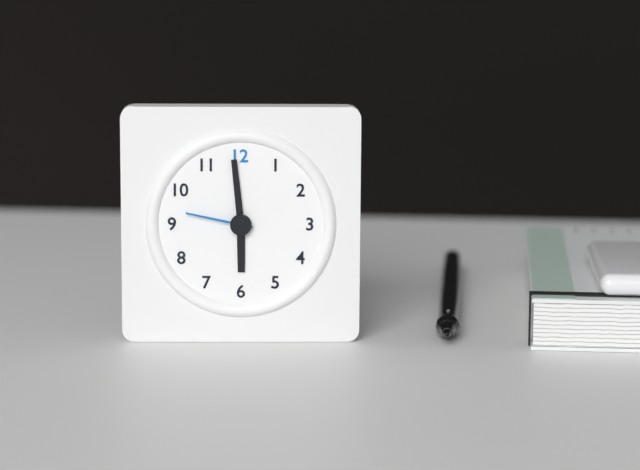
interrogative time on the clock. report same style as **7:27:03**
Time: **5:59:47**
